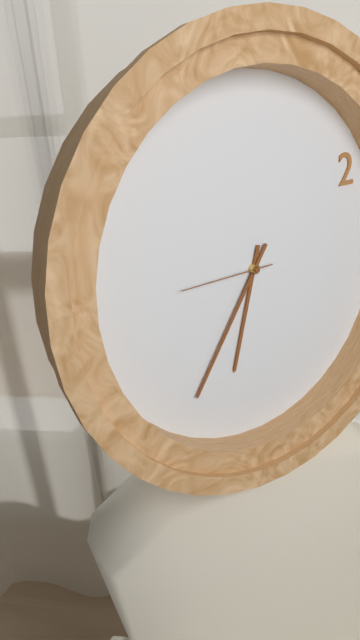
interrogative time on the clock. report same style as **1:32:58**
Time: **6:36:45**
